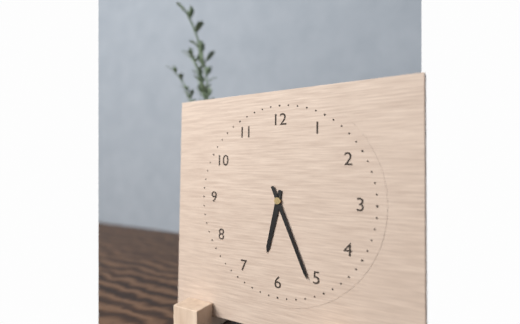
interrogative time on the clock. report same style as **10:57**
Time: **6:26**
